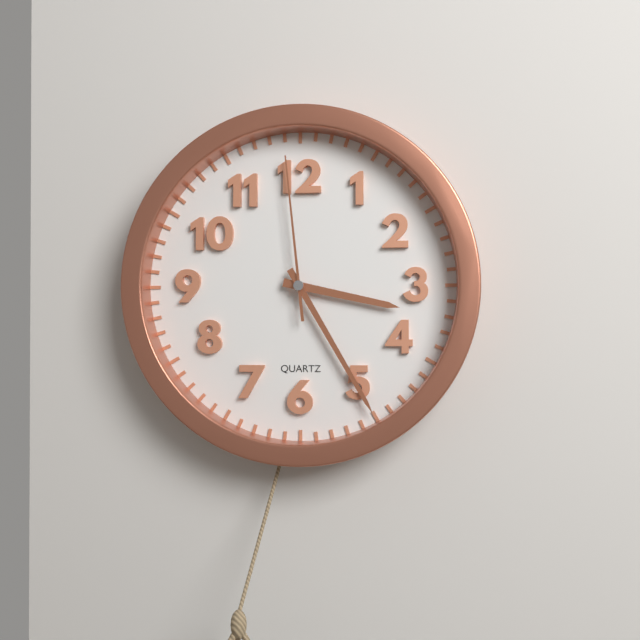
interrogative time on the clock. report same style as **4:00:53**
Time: **3:25:59**
